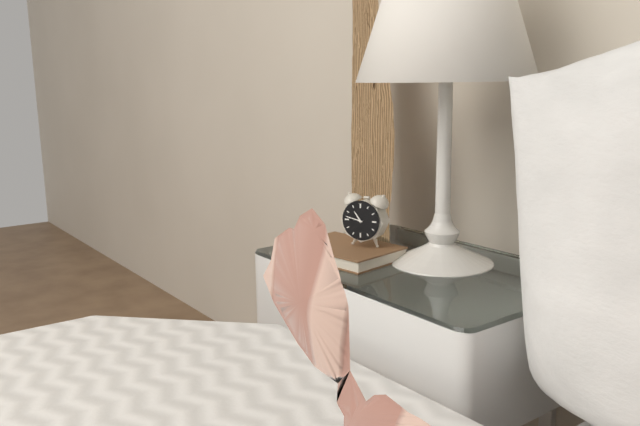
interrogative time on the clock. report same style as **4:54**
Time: **10:47**
